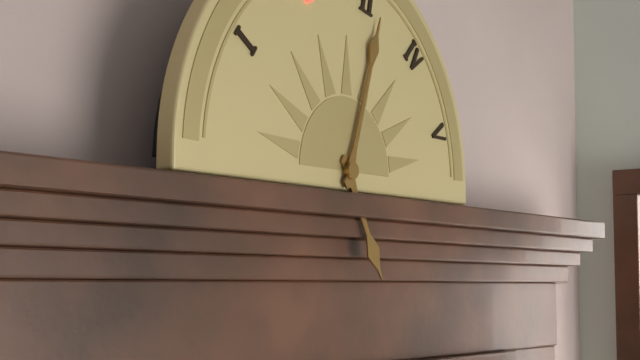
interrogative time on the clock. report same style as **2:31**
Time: **5:03**
